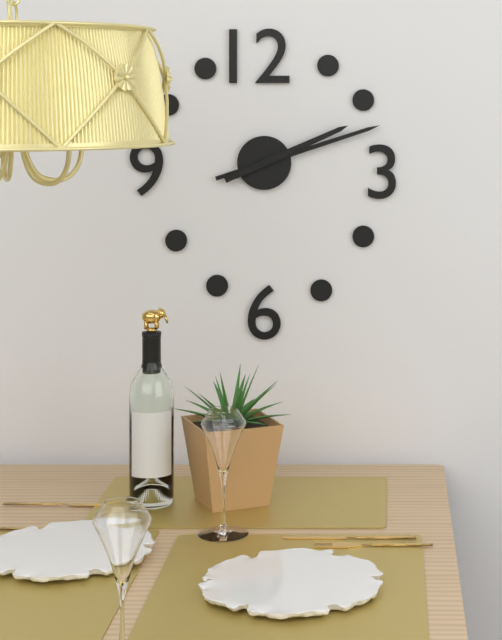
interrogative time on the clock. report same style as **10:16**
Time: **2:12**
